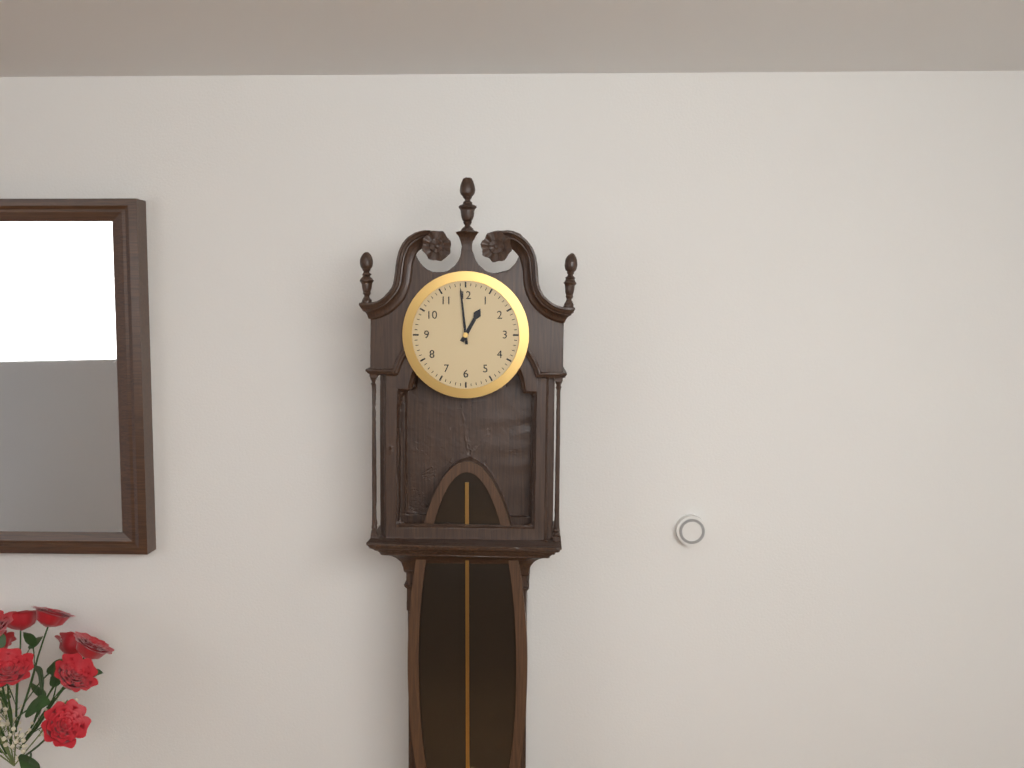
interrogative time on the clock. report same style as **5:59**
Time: **12:59**
